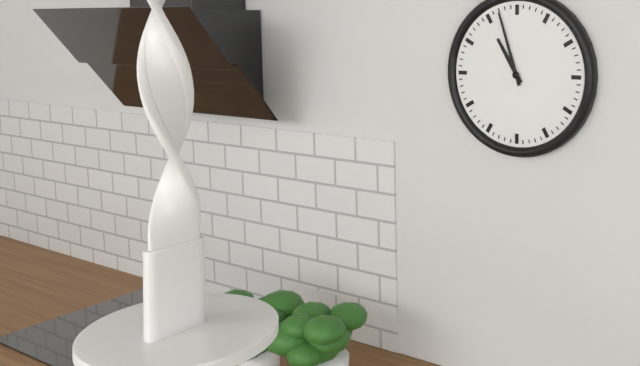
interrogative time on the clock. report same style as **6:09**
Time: **10:57**
